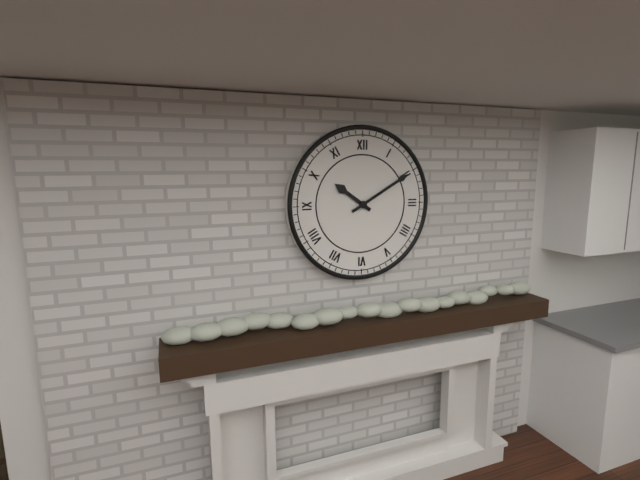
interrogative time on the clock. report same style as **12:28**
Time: **10:10**
